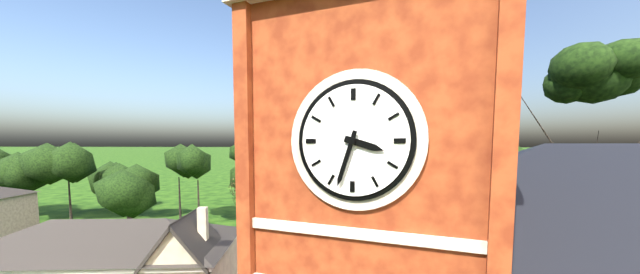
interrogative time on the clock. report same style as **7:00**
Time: **3:33**
